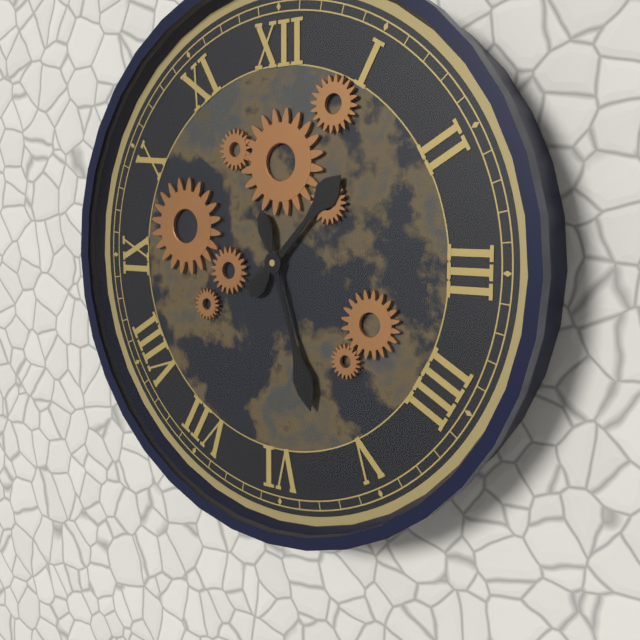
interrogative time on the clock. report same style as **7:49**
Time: **1:27**
